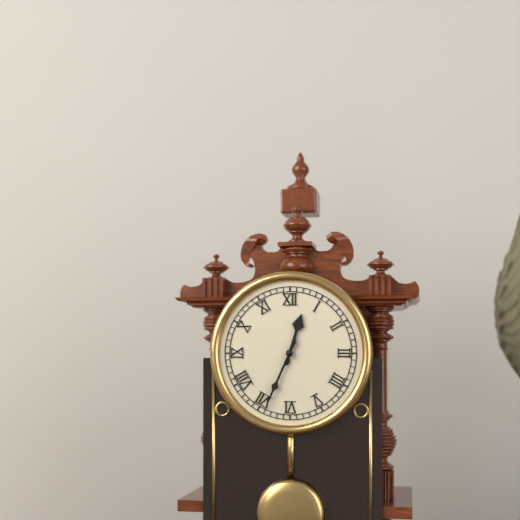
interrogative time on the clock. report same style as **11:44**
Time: **12:34**
